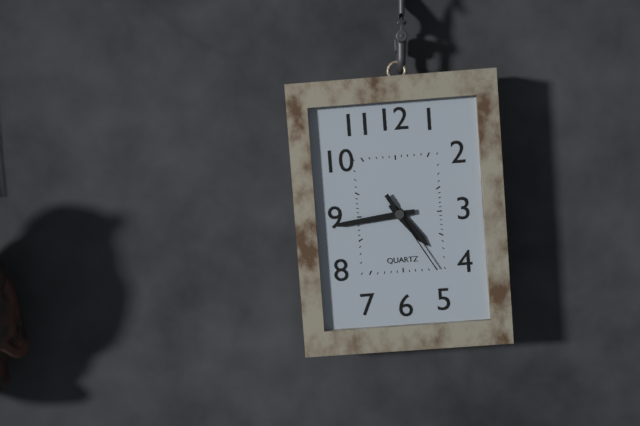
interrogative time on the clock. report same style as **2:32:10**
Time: **4:44:25**
